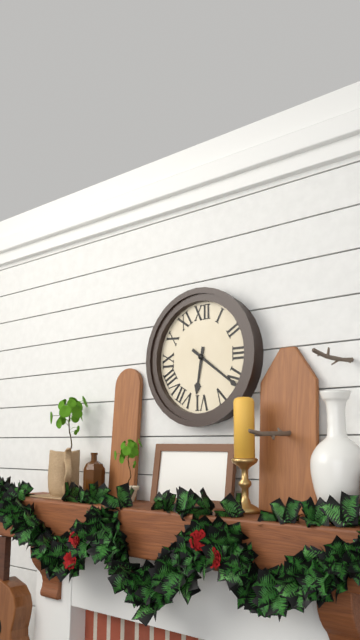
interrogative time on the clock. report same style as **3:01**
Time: **6:21**
